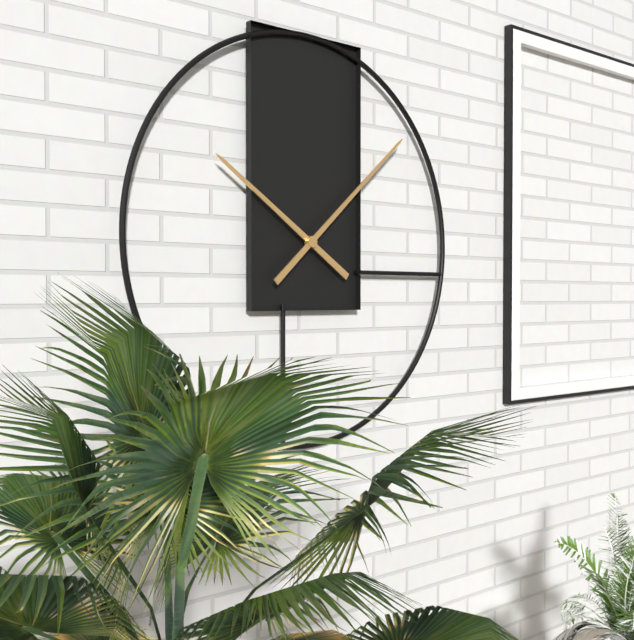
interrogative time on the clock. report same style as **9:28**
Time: **10:08**
